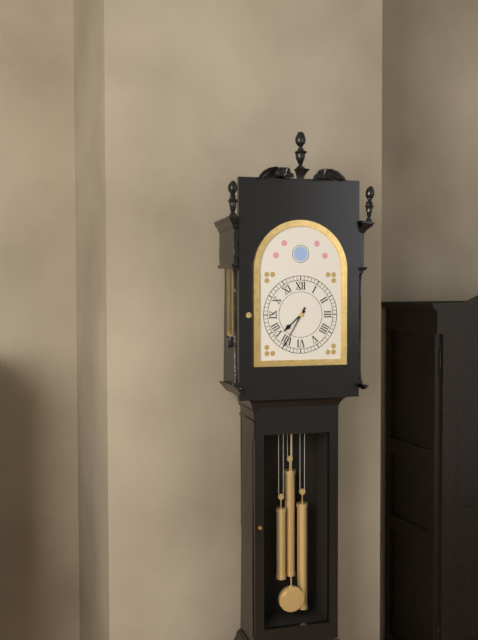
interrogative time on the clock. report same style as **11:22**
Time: **7:35**
